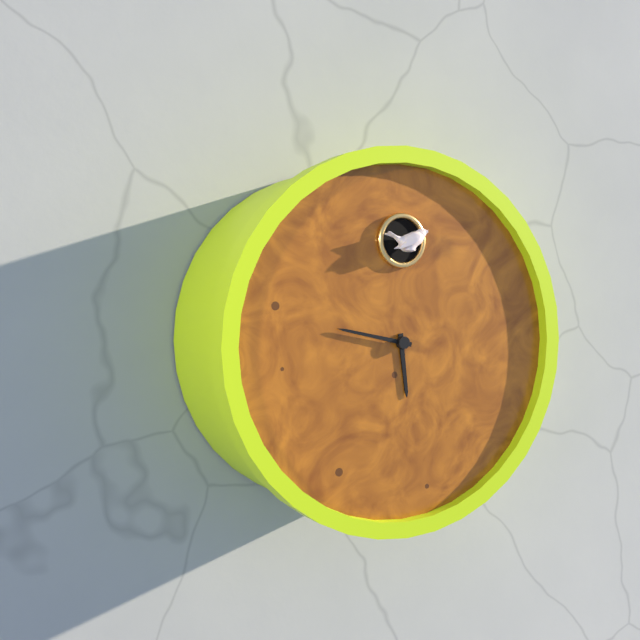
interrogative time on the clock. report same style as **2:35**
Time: **5:47**
